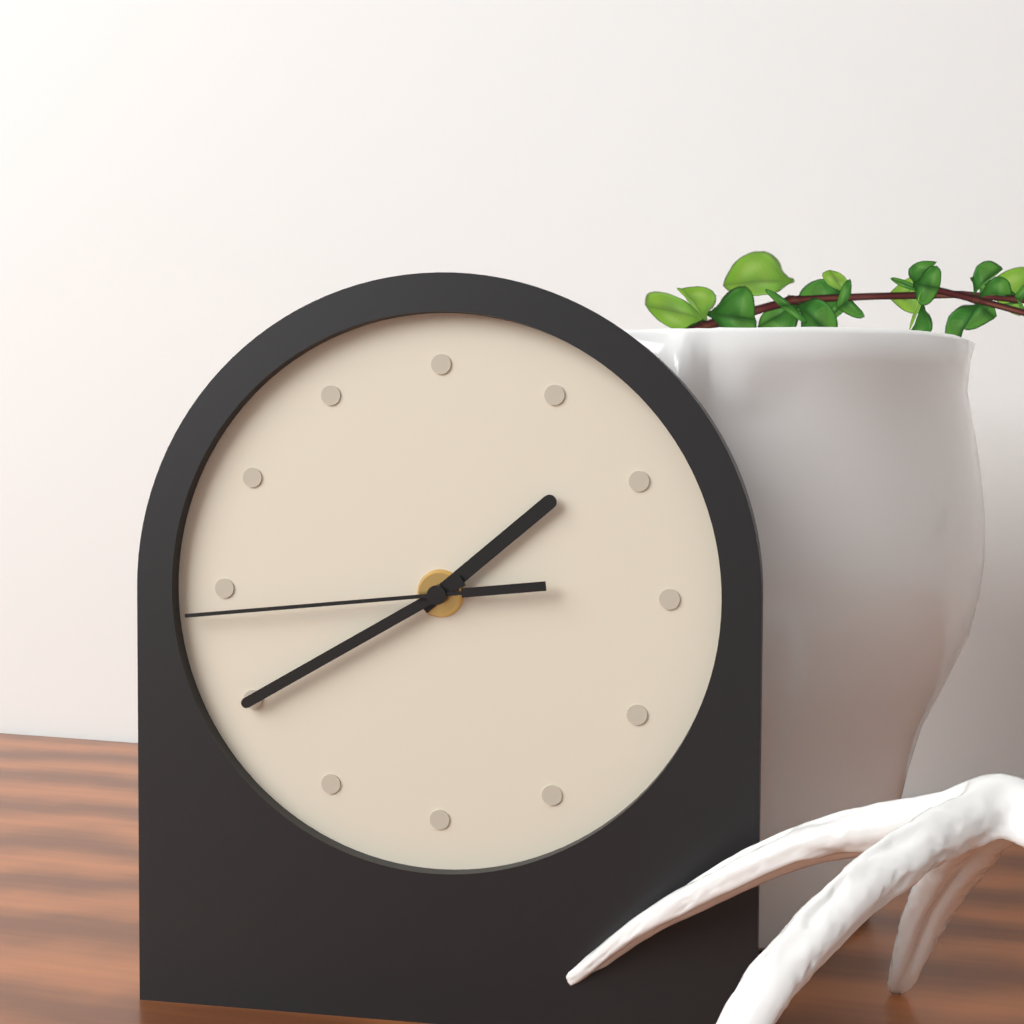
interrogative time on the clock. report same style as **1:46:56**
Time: **1:40:44**
